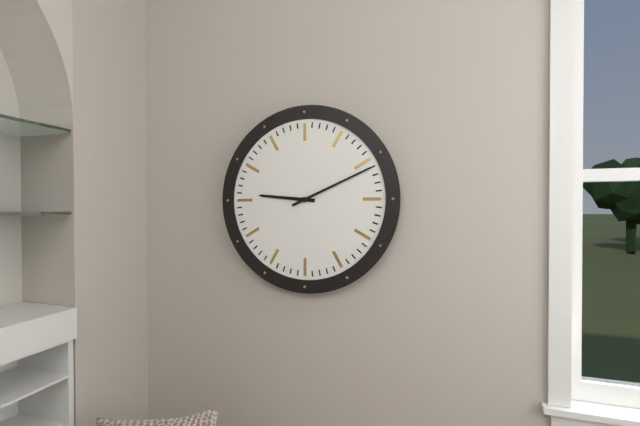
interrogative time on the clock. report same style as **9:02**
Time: **9:11**
